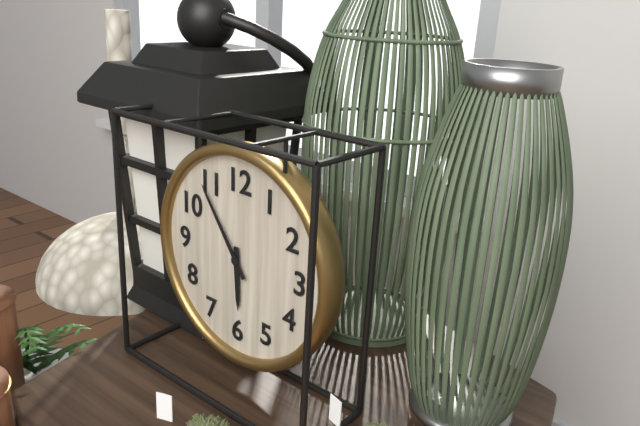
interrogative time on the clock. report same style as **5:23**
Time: **5:54**
